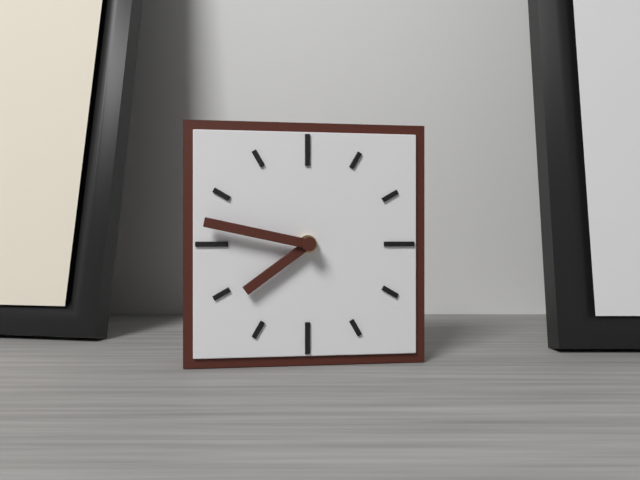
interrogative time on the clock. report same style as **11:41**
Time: **7:47**
